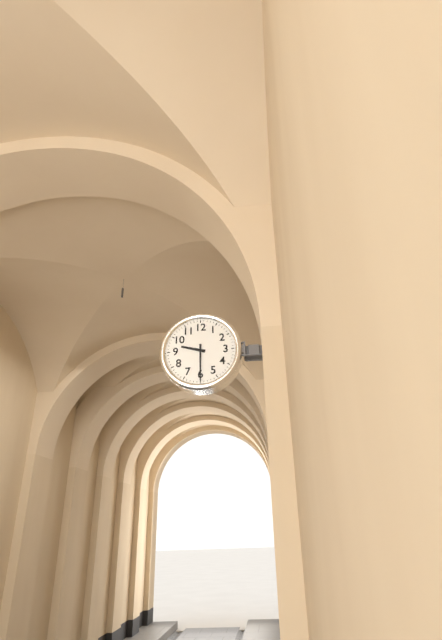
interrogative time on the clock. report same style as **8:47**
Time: **9:30**
